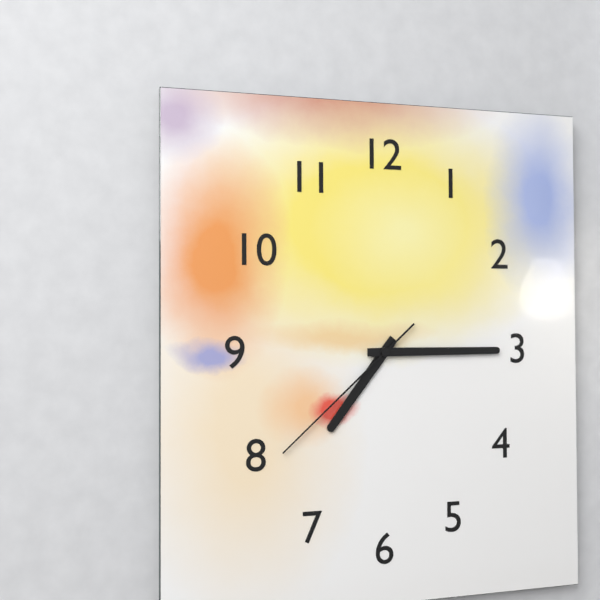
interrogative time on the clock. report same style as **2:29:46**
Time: **7:15:38**
